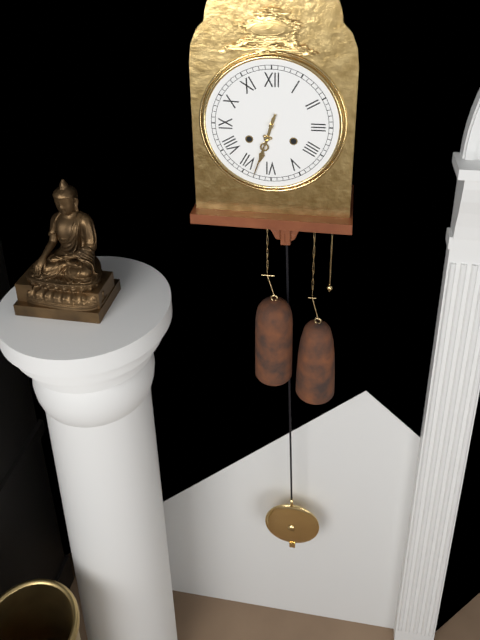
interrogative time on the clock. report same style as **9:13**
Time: **6:33**
